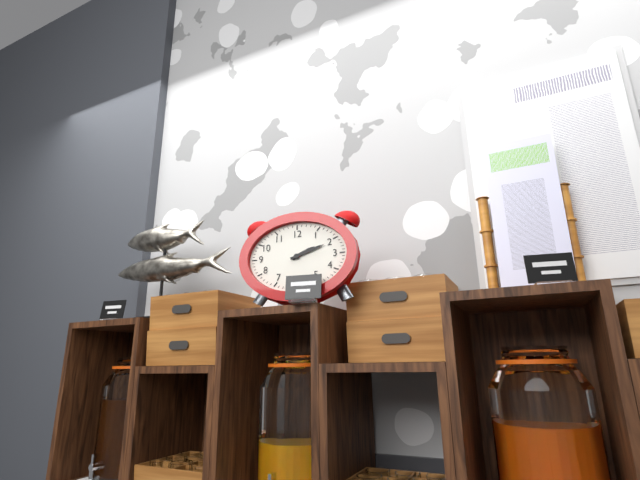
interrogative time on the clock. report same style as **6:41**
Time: **2:12**
